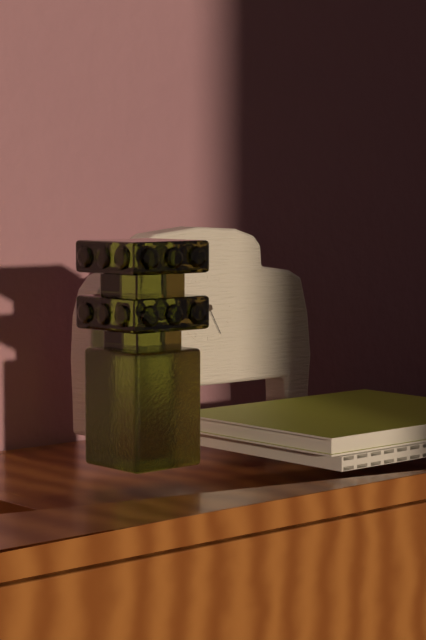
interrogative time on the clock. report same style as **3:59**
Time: **8:48**
